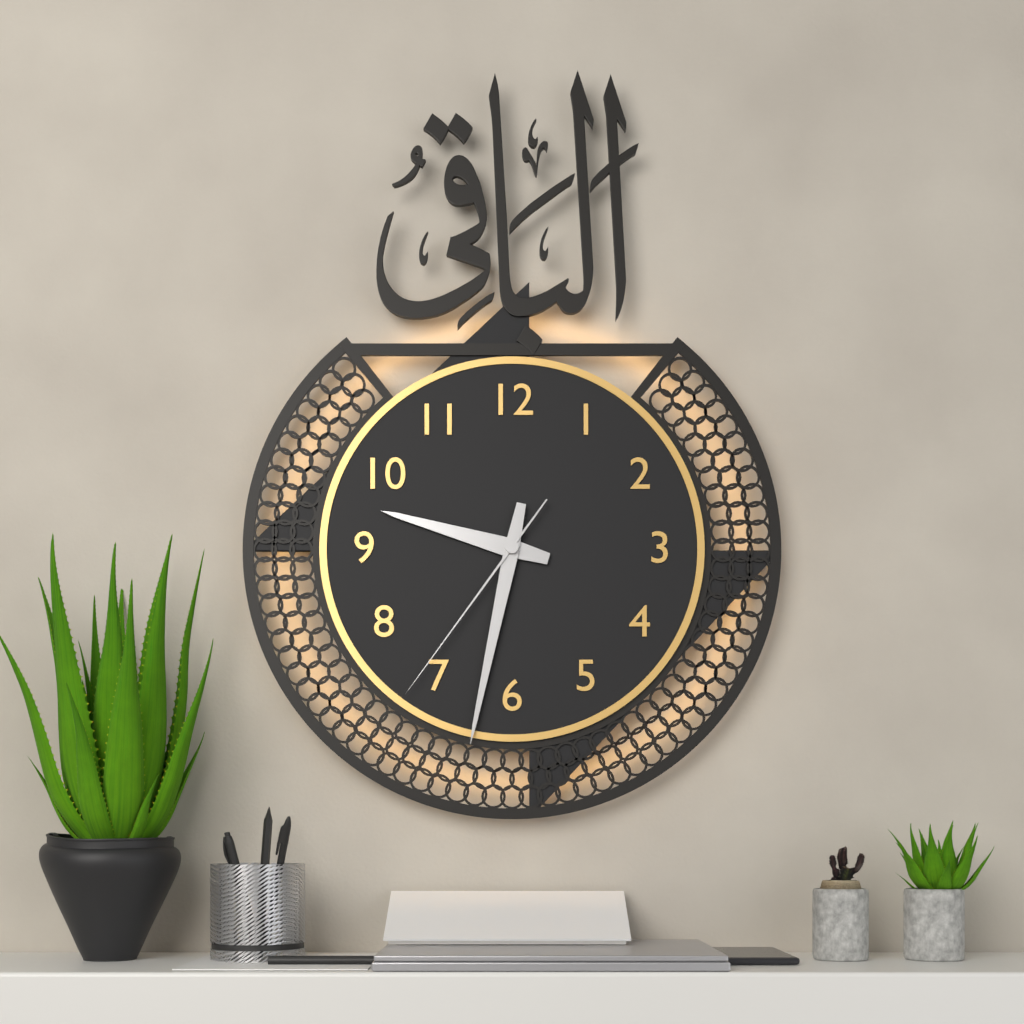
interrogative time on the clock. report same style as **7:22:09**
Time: **9:32:36**
